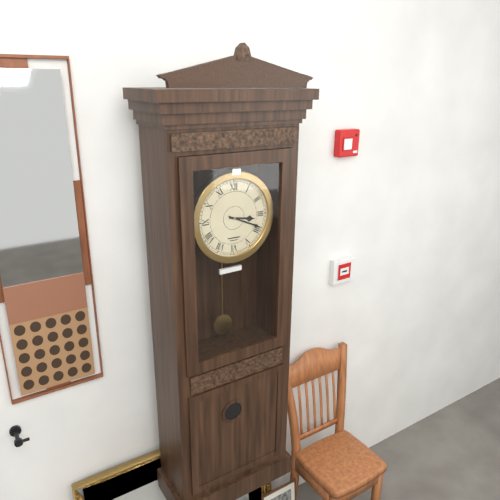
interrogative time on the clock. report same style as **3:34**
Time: **3:19**
